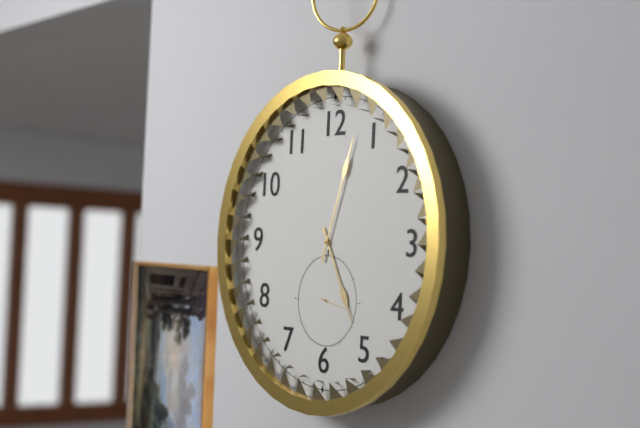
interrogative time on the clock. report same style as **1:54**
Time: **5:03**
